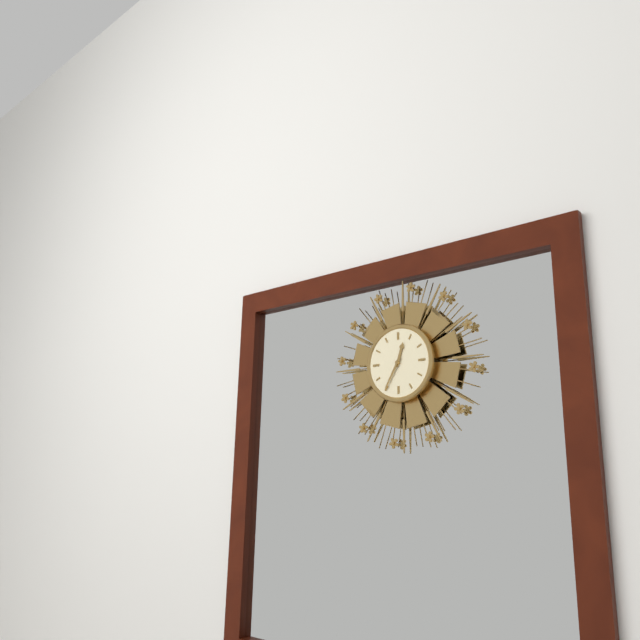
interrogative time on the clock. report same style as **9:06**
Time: **12:35**
